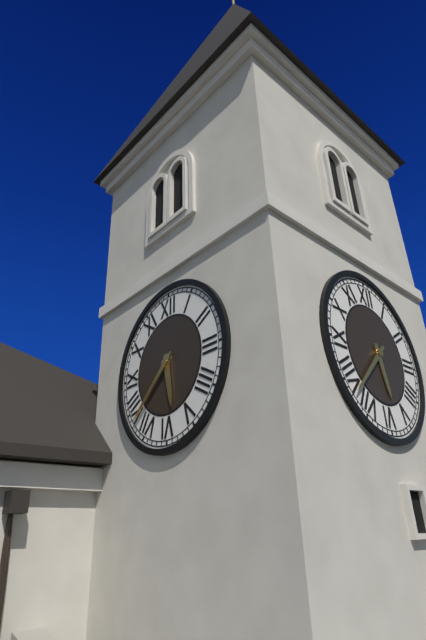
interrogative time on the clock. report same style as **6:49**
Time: **5:38**
